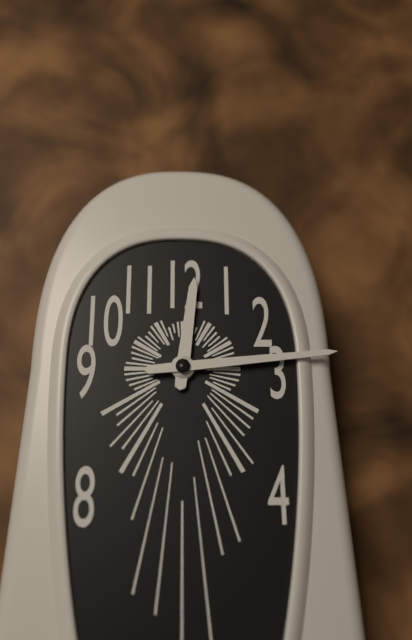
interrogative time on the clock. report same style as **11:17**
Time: **12:14**
